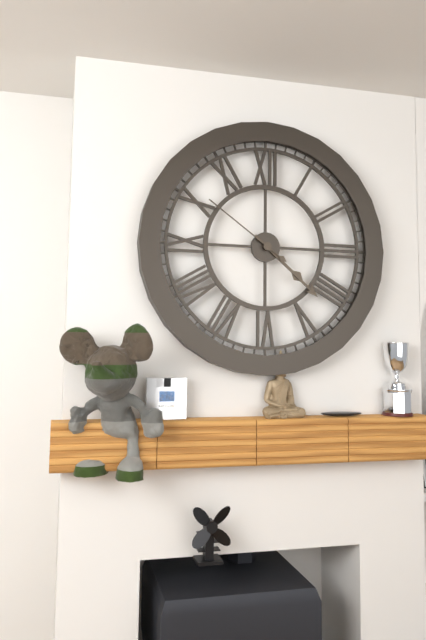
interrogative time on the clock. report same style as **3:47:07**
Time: **4:22:51**
